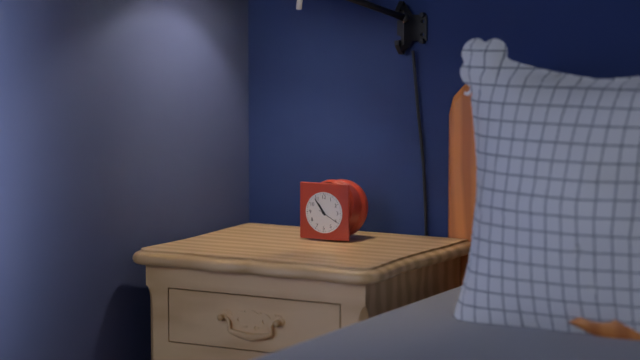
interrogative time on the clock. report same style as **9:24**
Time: **10:54**
